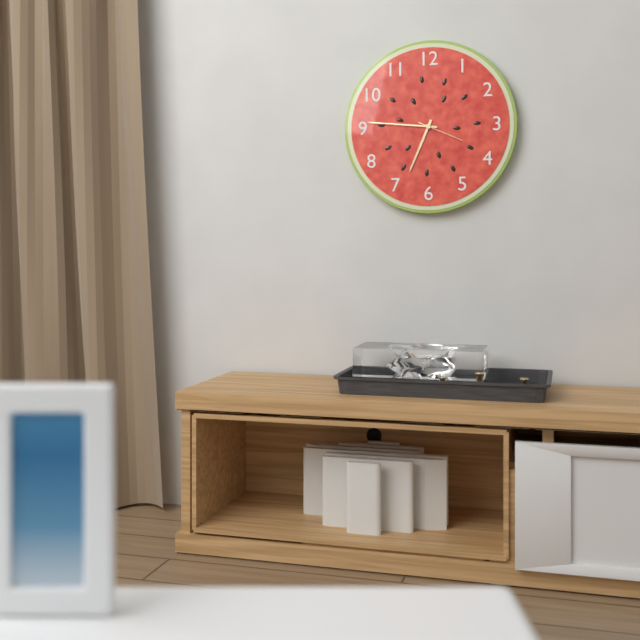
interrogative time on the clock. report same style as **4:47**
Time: **6:46**
